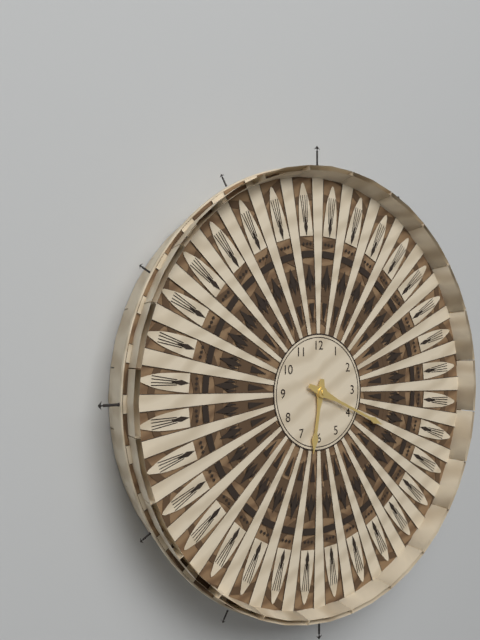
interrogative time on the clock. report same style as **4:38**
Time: **6:19**
